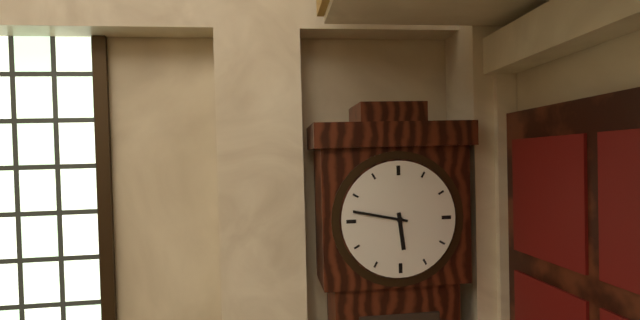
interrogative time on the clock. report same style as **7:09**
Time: **5:47**
